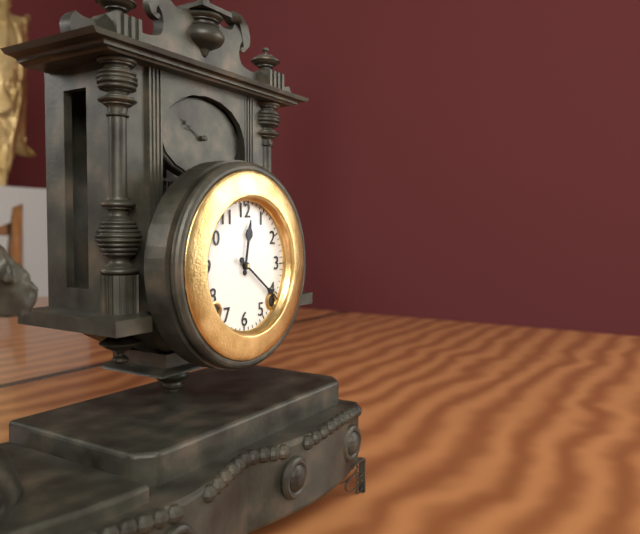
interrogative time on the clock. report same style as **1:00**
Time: **12:21**
